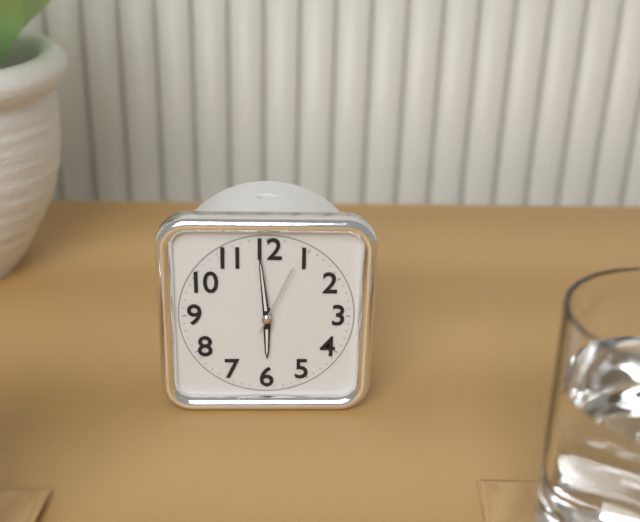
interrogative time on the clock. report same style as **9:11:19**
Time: **5:59:04**
